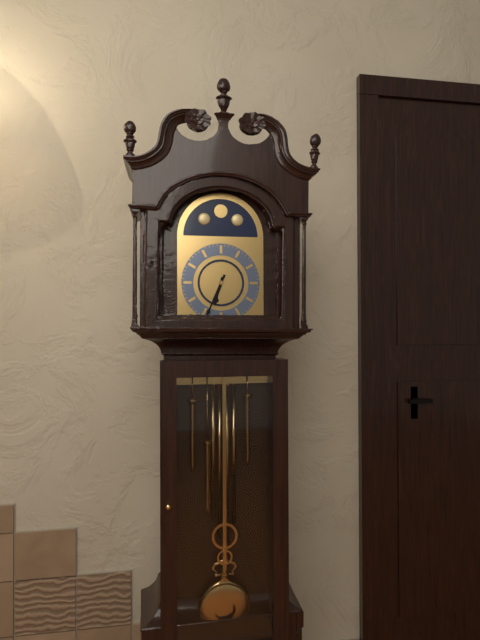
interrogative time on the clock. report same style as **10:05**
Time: **6:34**
